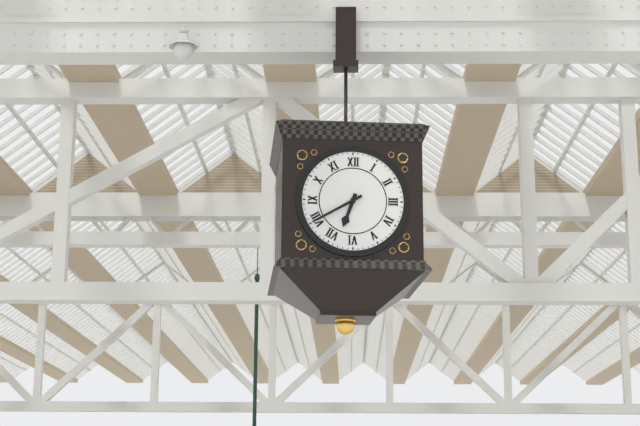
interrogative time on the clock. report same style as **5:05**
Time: **6:40**
